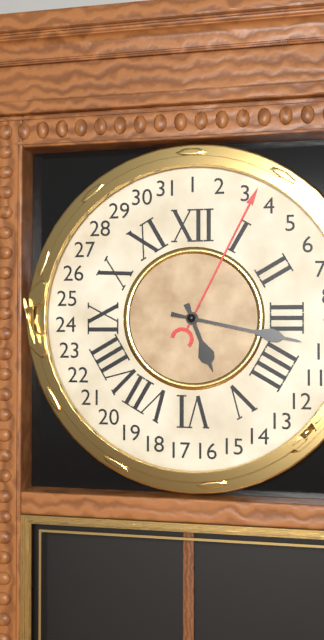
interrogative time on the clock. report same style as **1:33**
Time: **5:17**
